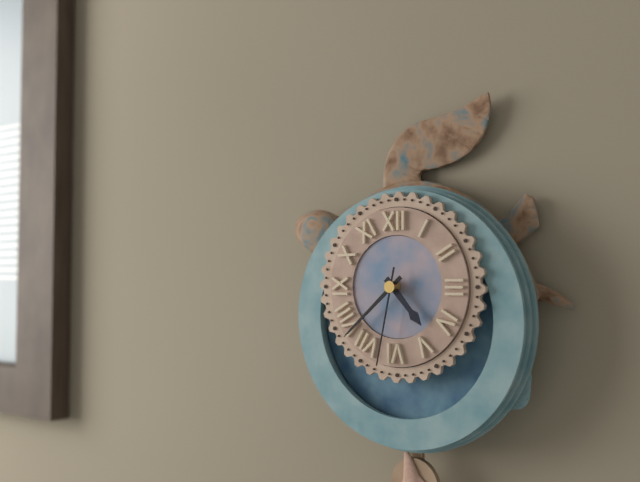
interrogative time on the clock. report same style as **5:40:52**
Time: **4:38:32**
